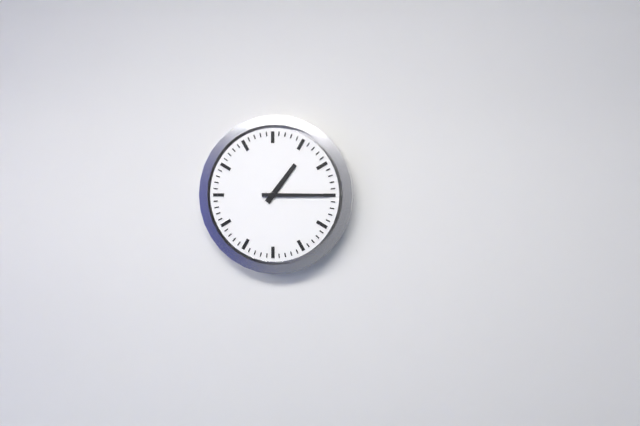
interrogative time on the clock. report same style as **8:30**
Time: **1:15**
